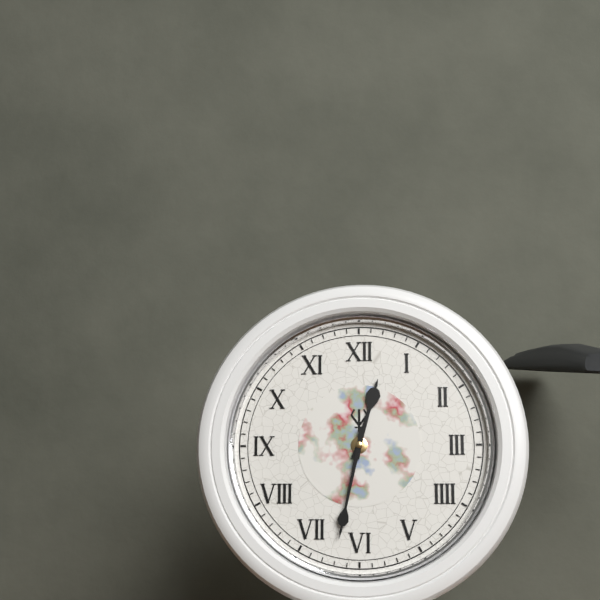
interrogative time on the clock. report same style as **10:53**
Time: **12:32**
